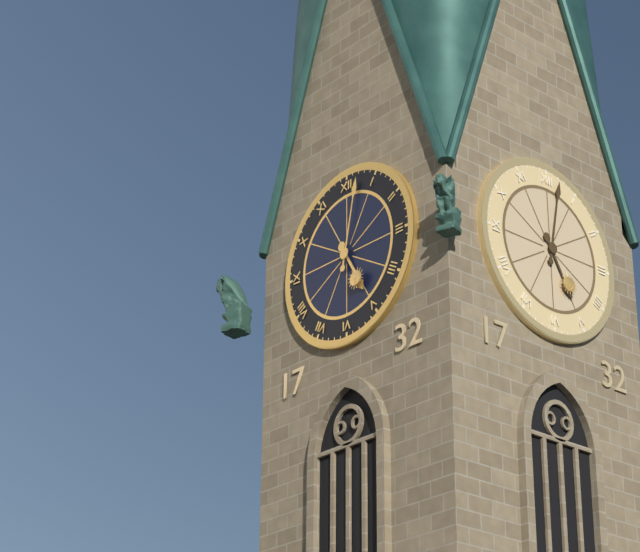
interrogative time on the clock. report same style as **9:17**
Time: **5:02**
